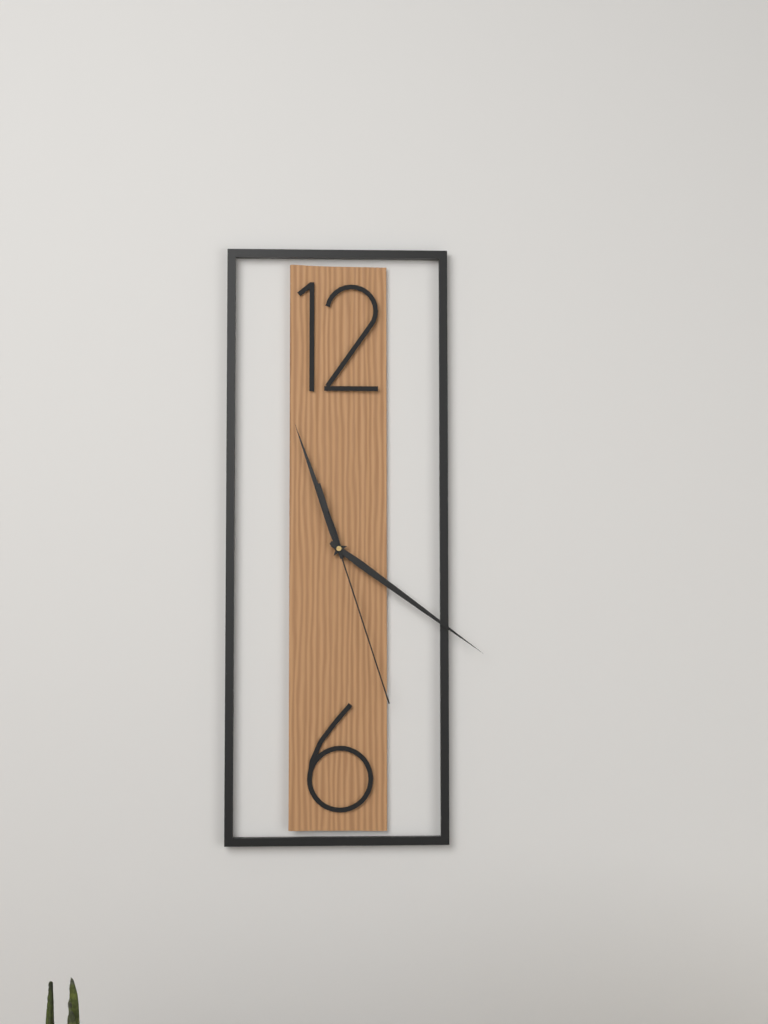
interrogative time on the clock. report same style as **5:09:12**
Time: **11:21:27**
